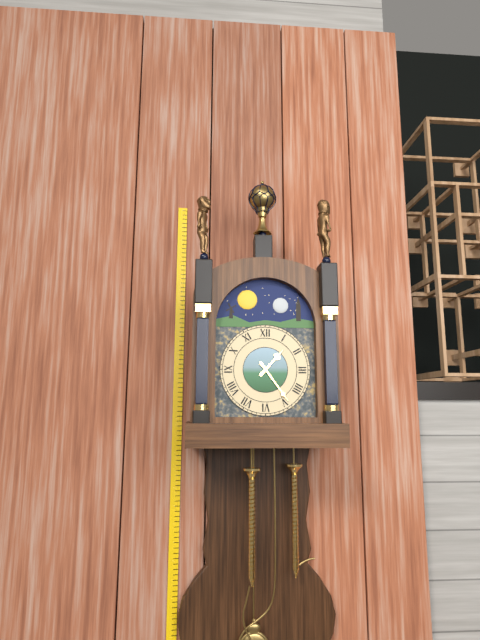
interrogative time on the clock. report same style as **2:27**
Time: **1:24**
